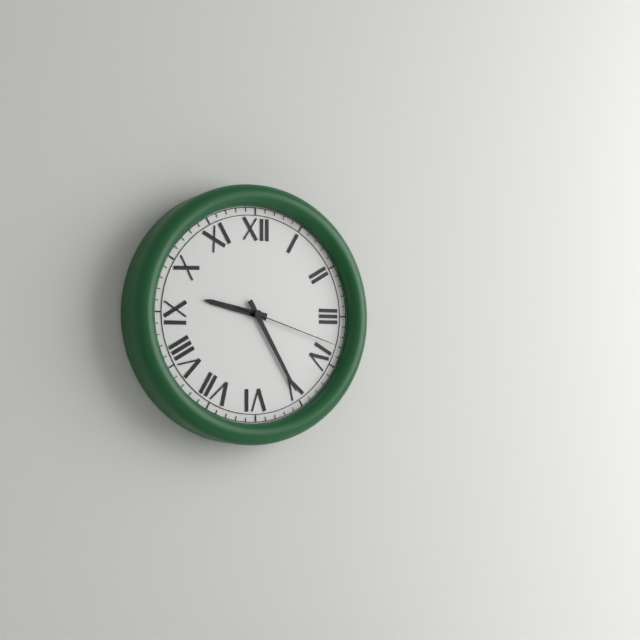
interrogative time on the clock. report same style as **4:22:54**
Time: **9:25:18**
